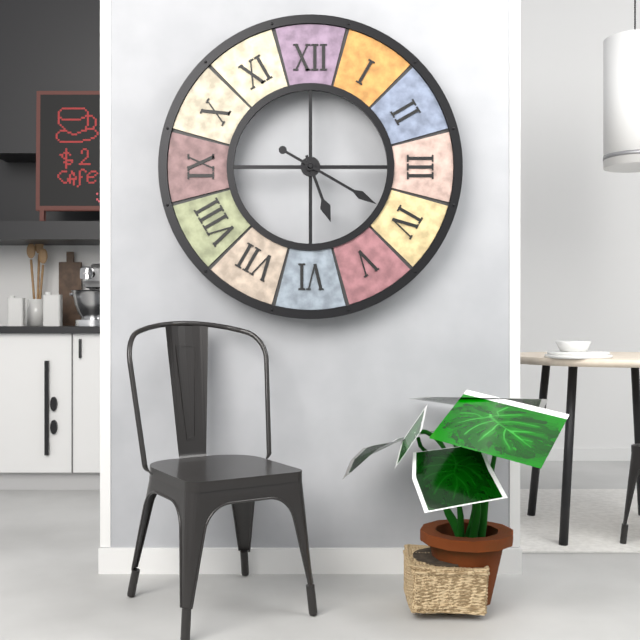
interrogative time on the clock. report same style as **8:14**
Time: **5:20**
